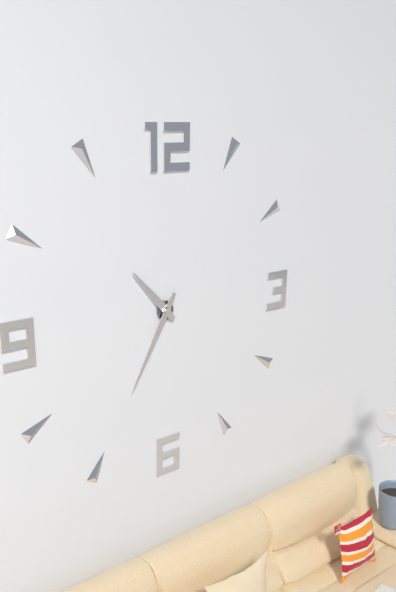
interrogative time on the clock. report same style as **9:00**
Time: **10:35**
